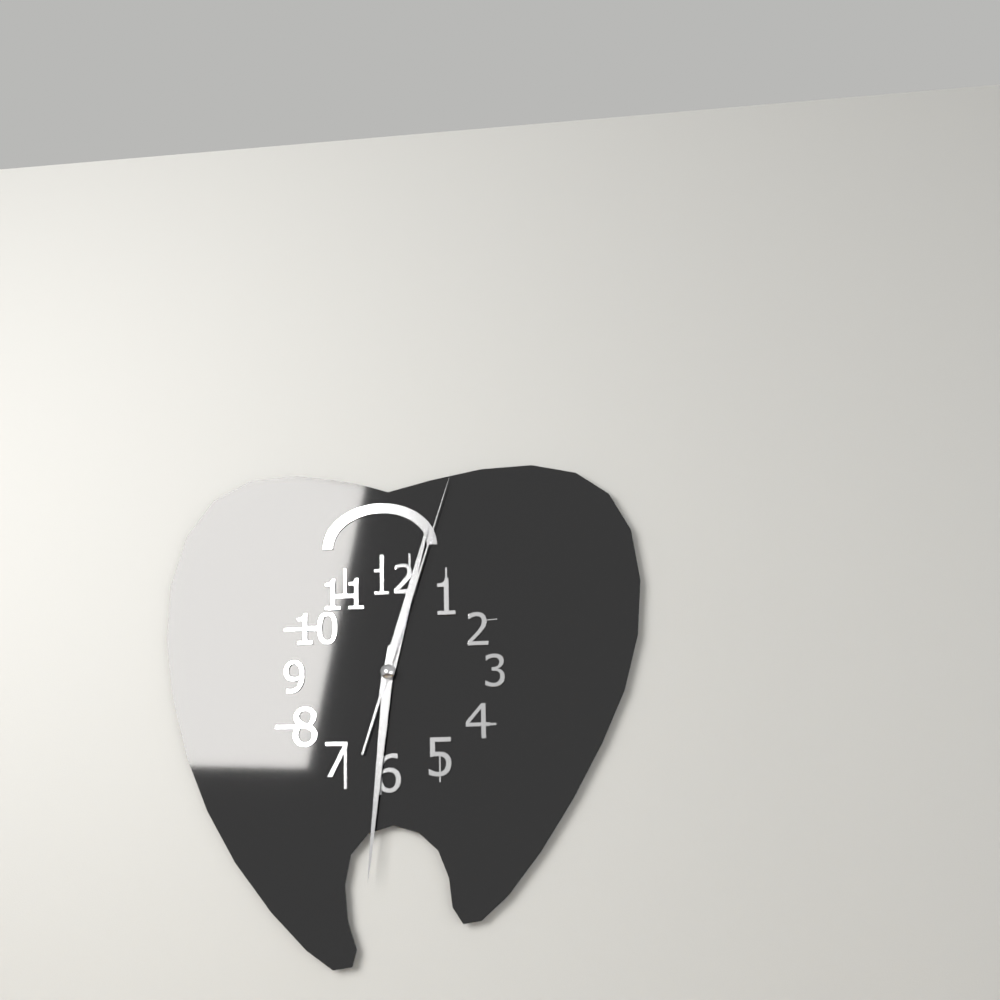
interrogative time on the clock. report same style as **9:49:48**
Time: **12:31:03**
